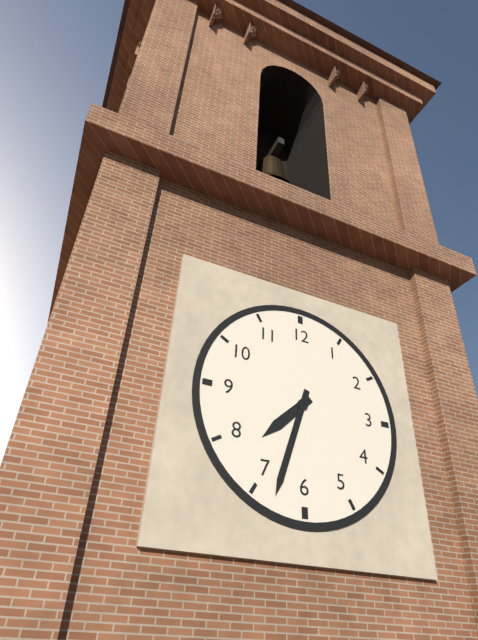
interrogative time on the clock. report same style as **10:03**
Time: **7:33**
